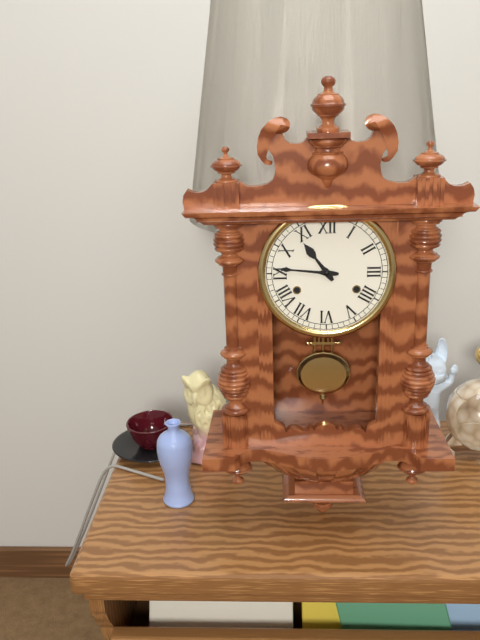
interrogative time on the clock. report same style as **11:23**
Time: **10:46**
